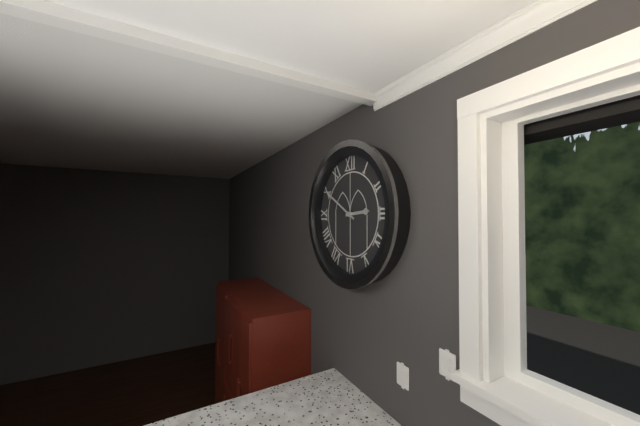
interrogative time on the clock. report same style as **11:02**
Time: **2:50**
